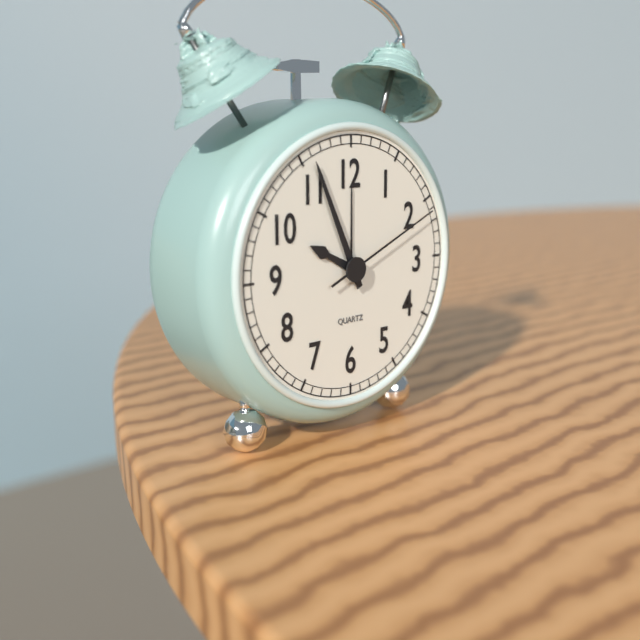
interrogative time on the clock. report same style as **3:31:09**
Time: **9:56:11**
